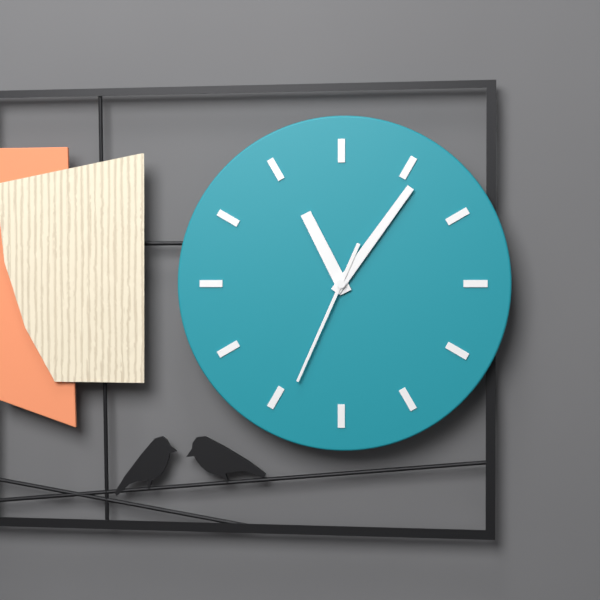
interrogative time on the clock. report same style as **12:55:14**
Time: **11:06:34**
